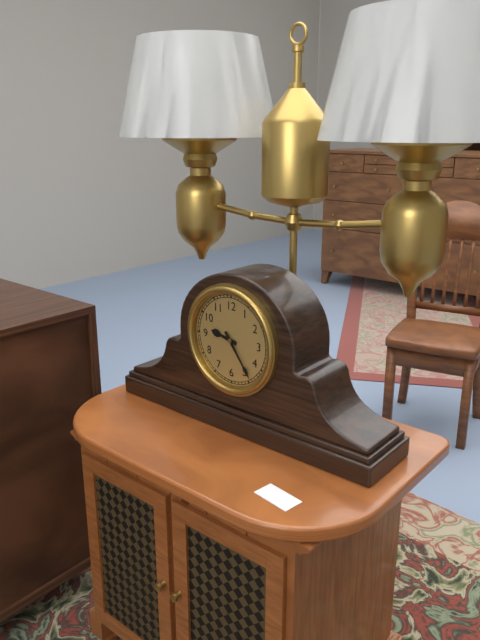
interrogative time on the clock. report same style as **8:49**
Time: **9:24**
